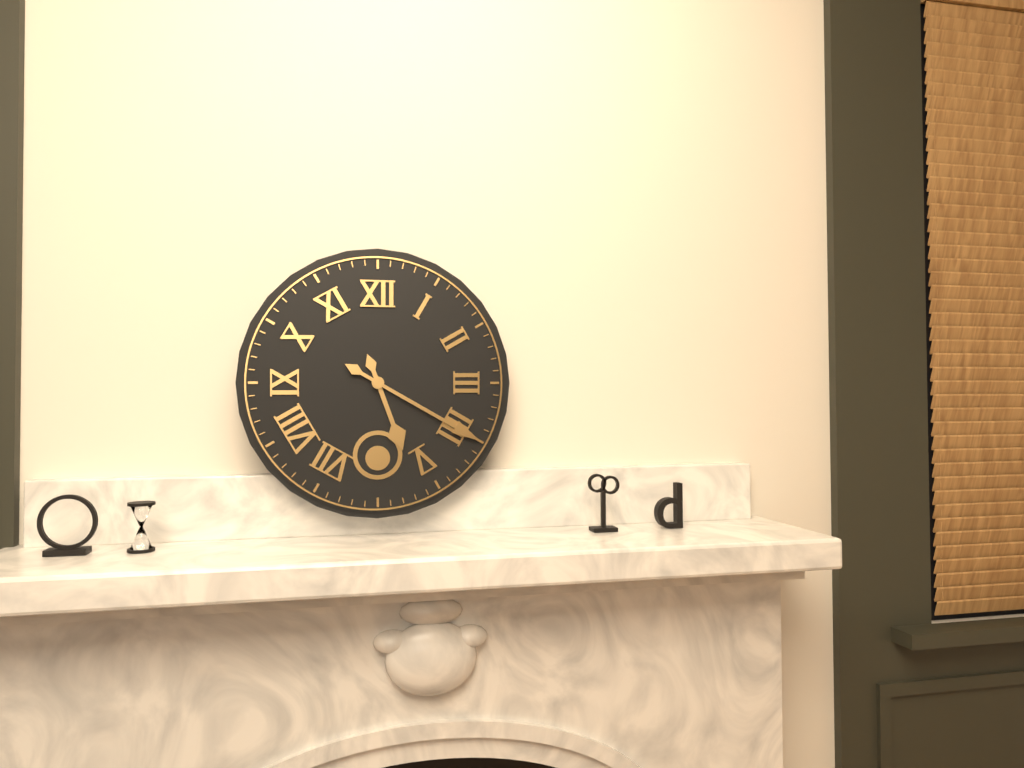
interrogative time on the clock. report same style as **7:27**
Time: **5:20**
